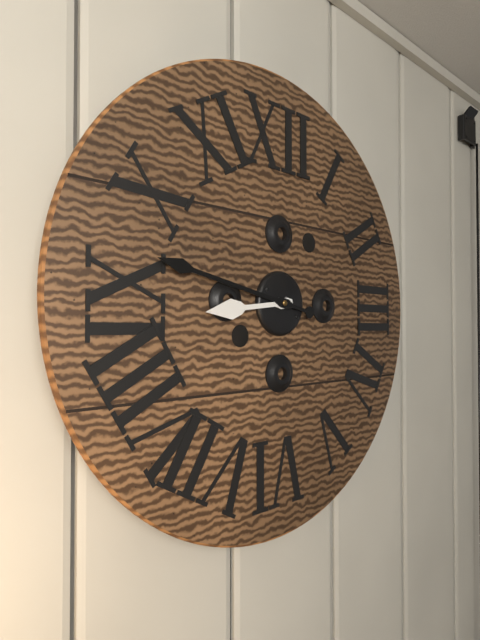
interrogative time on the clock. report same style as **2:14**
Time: **8:47**
